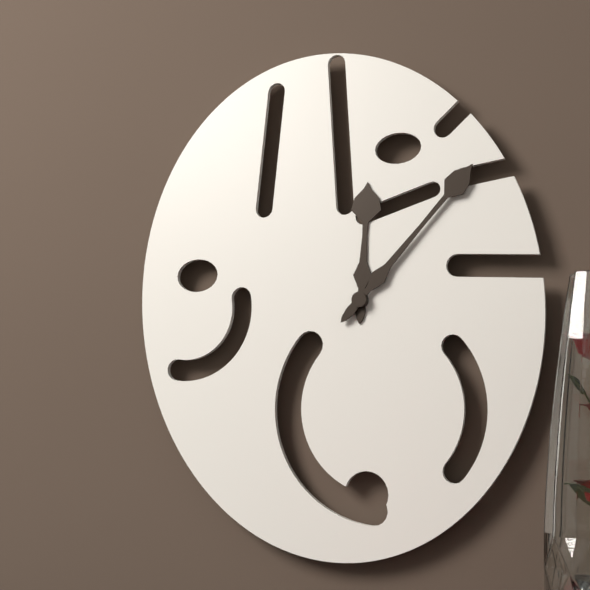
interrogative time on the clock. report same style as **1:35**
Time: **12:07**
